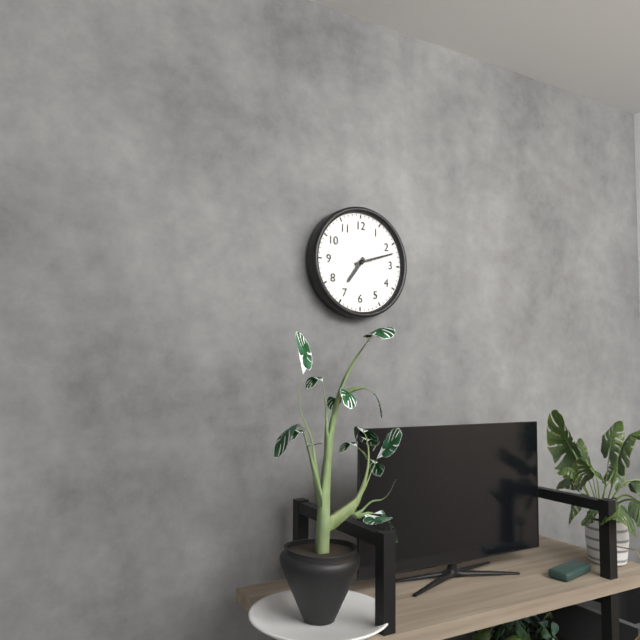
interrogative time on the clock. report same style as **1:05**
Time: **7:12**
